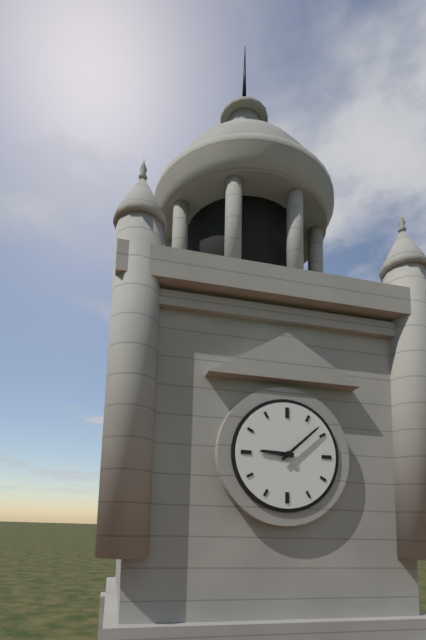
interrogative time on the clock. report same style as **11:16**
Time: **9:08**
